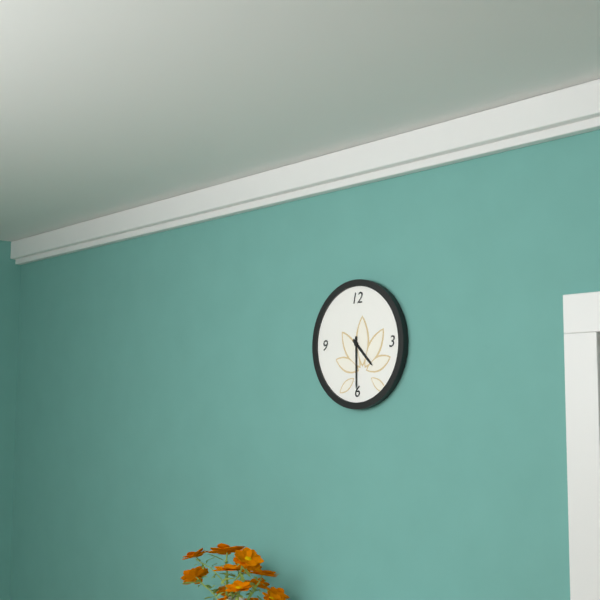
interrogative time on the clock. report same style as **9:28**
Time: **4:30**
